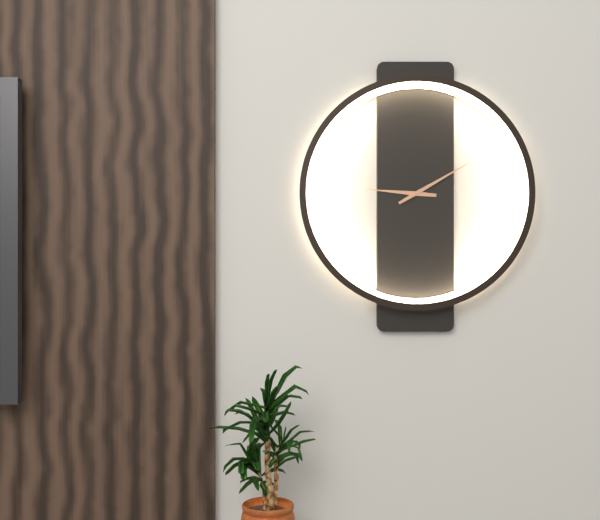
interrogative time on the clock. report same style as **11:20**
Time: **9:10**
